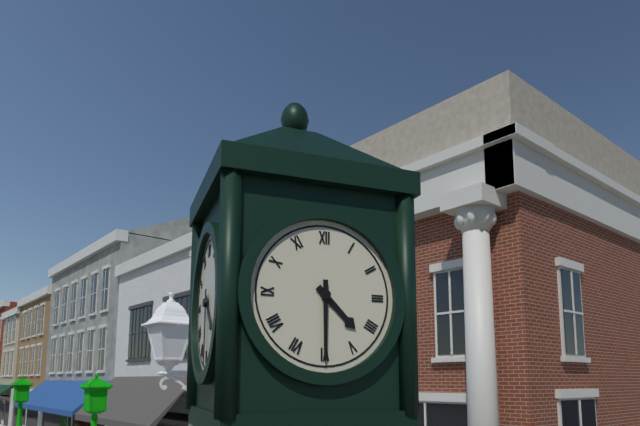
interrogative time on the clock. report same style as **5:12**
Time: **4:30**
